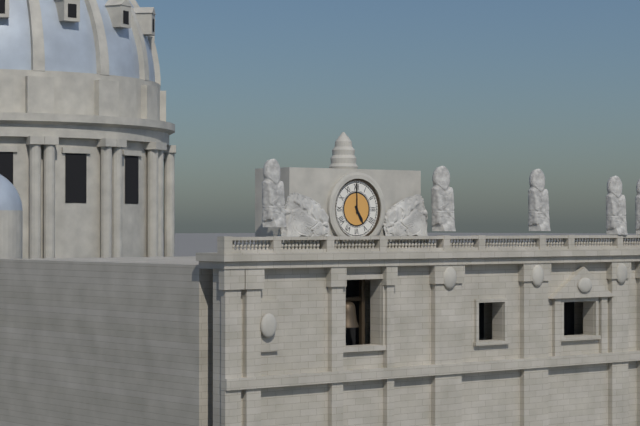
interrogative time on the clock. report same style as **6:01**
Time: **5:00**
